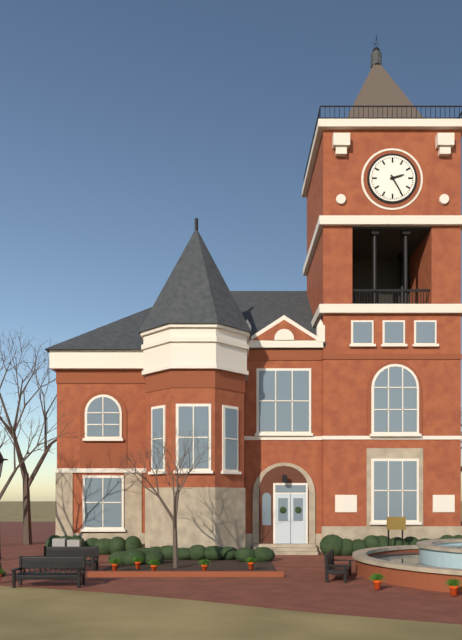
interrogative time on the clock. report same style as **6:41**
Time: **2:25**
